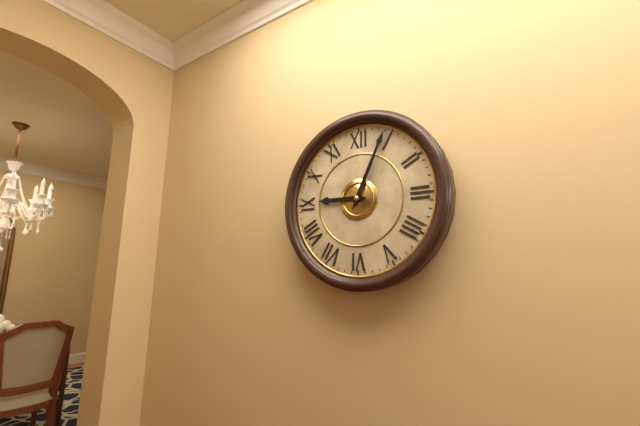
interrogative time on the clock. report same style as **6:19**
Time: **9:04**
